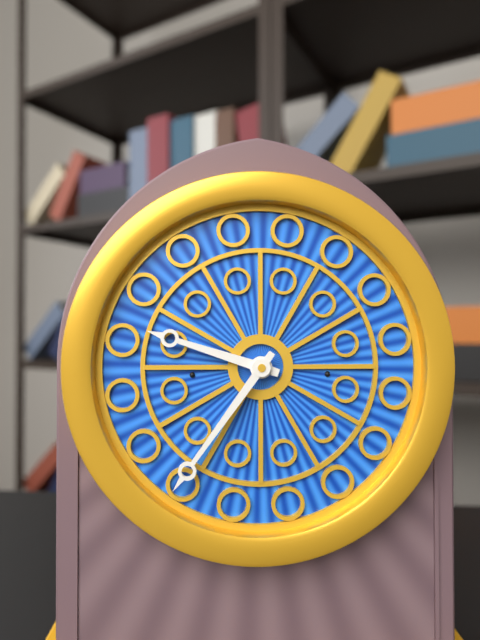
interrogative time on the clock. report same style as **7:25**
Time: **9:36**
